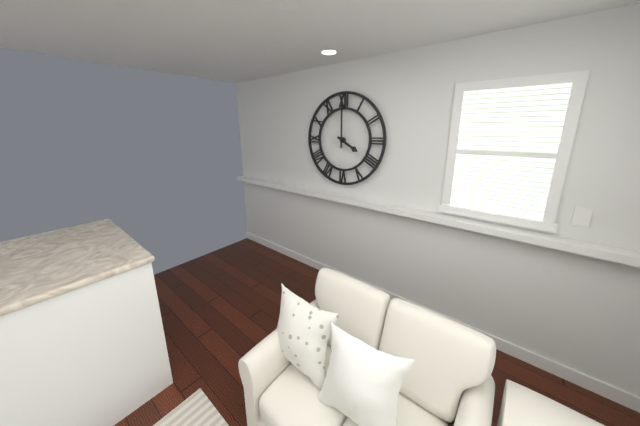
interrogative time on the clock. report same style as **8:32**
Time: **4:00**
